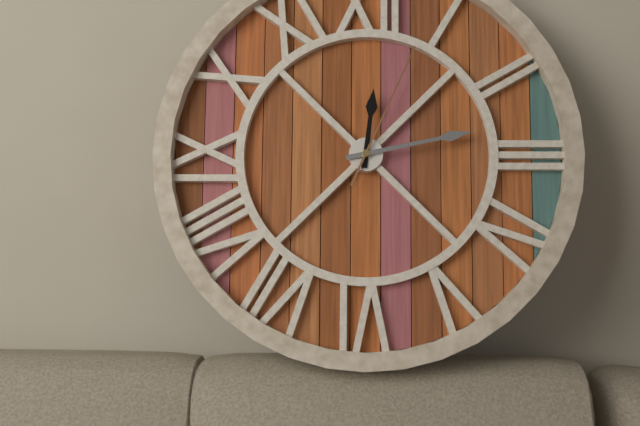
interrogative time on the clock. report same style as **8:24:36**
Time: **12:13:04**
